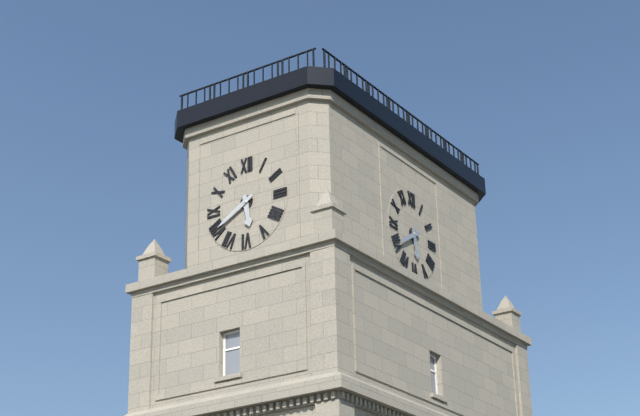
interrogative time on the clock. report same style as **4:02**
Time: **5:40**
